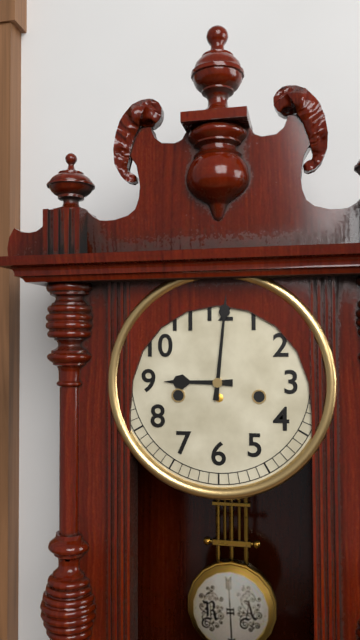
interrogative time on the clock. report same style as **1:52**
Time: **9:01**
